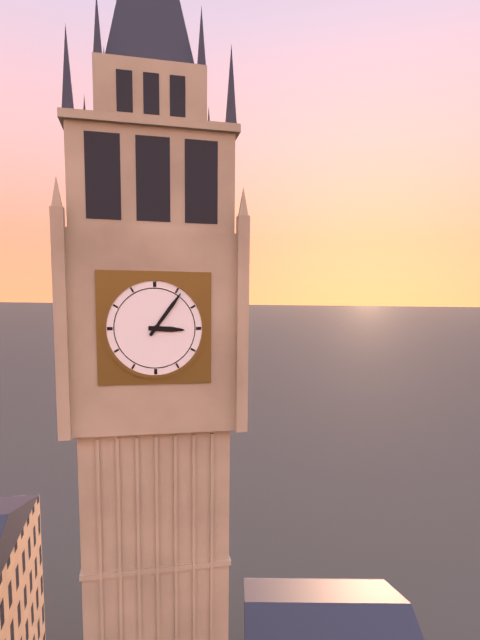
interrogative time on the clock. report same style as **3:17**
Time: **3:06**
